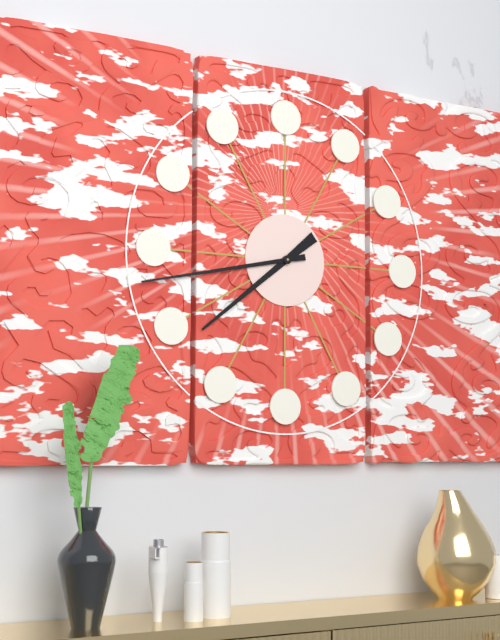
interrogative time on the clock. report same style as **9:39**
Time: **7:43**
